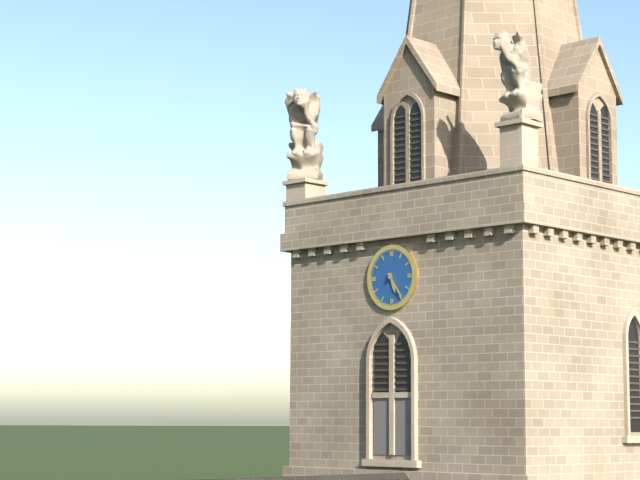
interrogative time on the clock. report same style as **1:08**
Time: **5:24**
